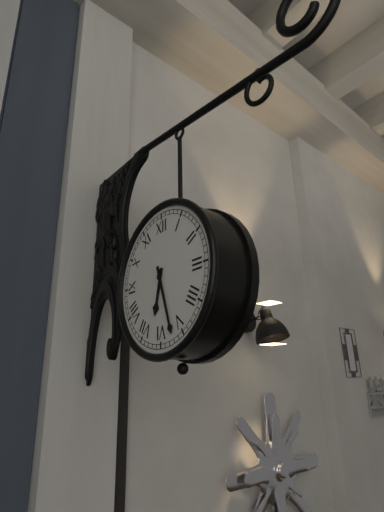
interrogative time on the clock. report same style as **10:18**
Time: **6:27**
